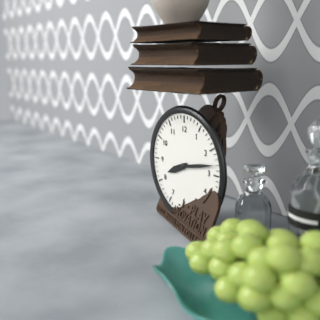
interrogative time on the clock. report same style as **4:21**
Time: **8:13**
